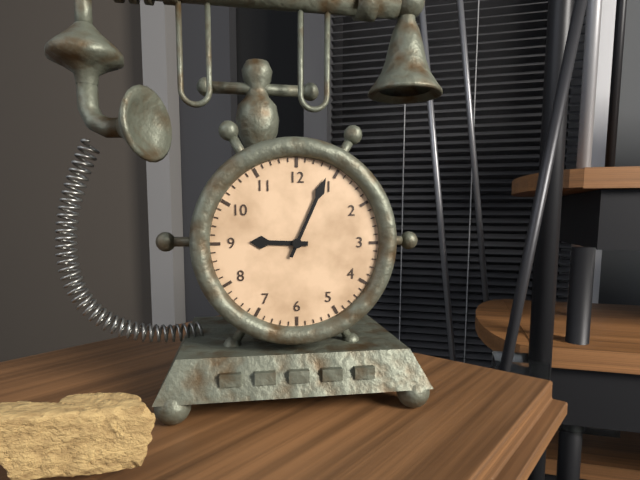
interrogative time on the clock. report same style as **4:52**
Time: **9:04**
